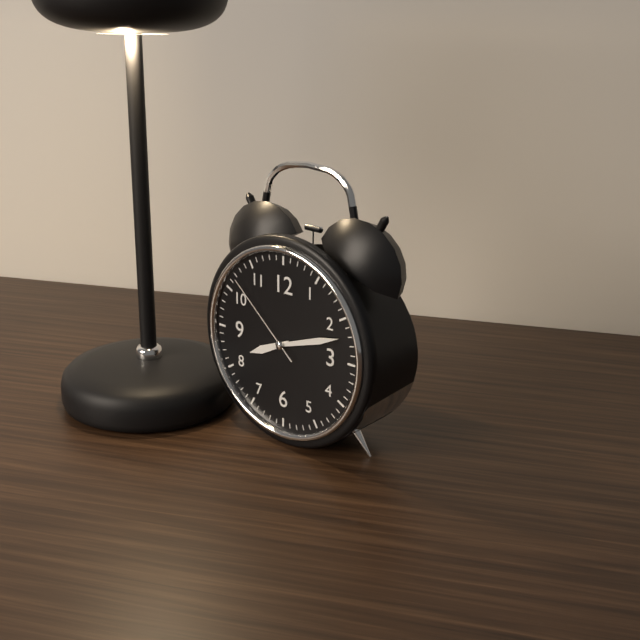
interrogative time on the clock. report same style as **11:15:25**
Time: **8:12:52**
